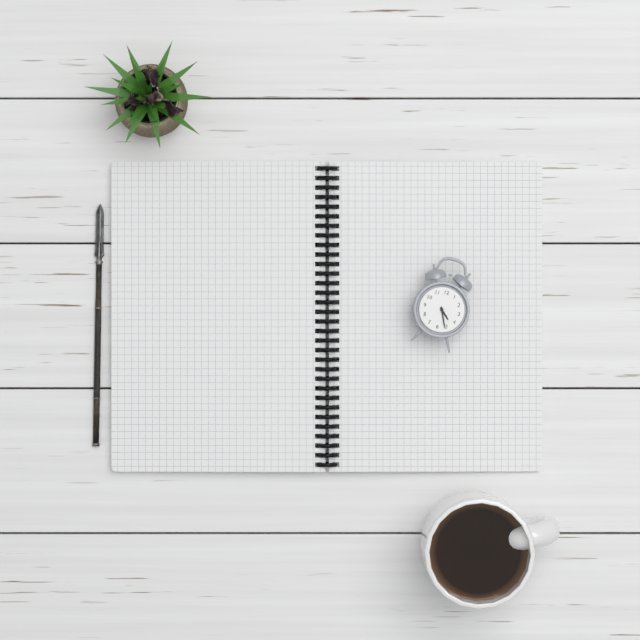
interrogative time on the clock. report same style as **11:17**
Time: **4:26**
